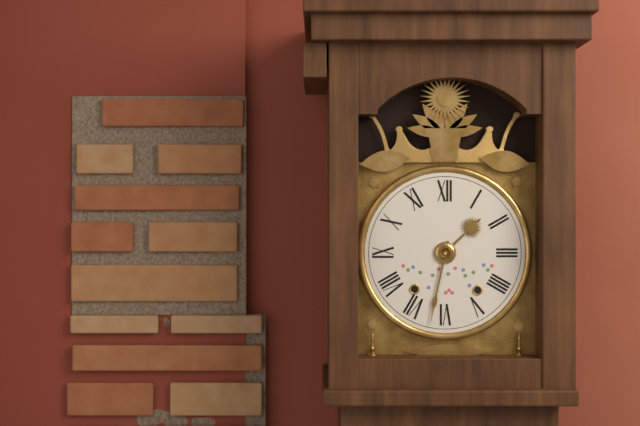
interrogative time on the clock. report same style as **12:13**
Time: **1:32**
